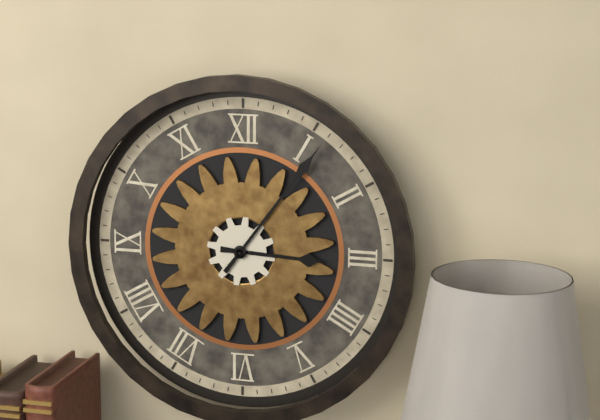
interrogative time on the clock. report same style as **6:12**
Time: **3:06**
